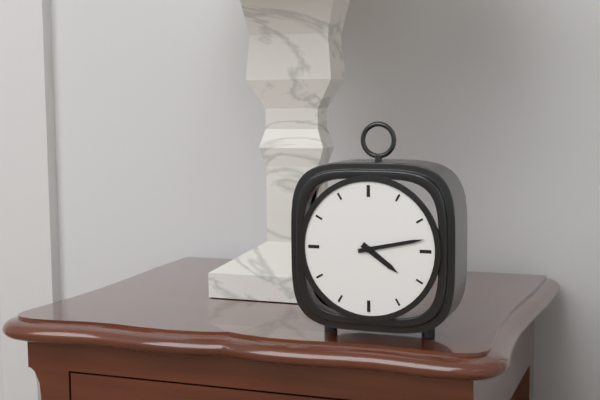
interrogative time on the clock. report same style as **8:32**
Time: **4:13**
